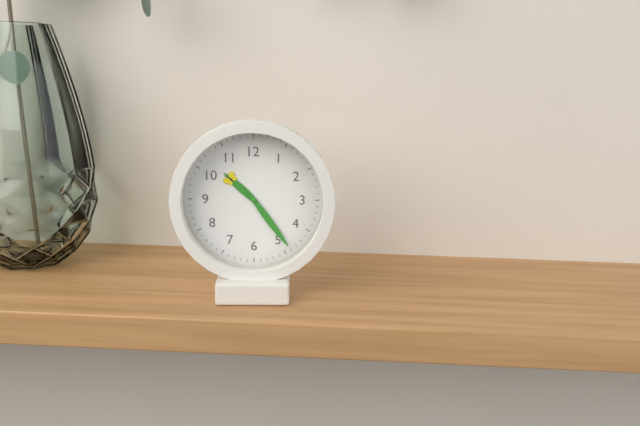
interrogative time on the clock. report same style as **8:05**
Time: **10:24**
